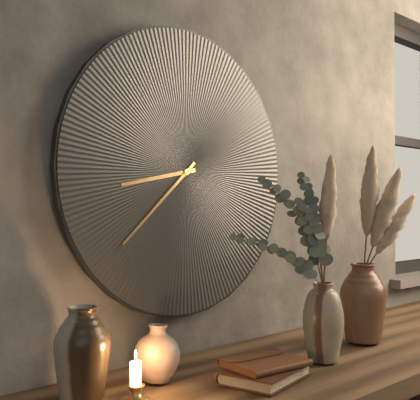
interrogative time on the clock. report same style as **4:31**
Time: **8:38**
